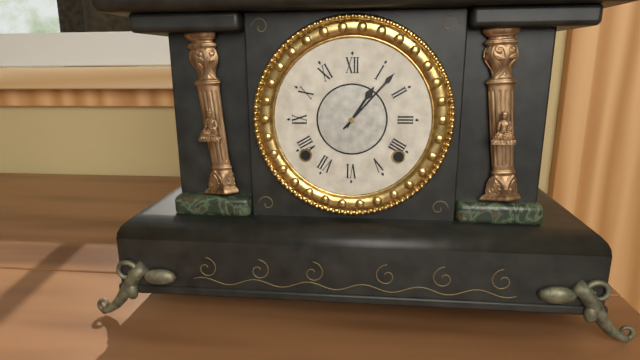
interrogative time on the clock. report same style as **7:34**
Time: **1:07**
